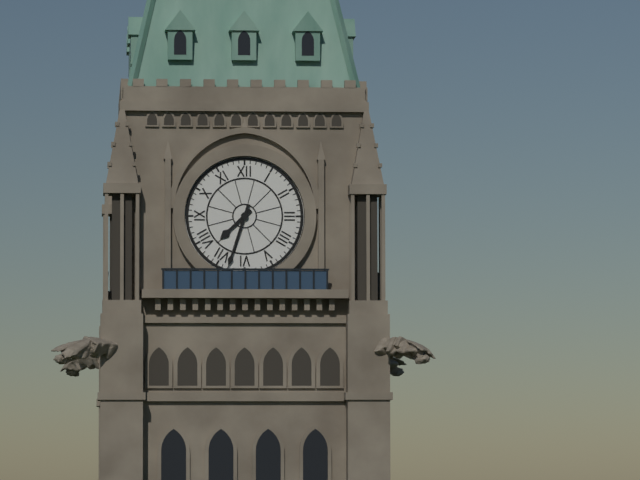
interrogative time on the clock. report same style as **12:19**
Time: **7:33**
